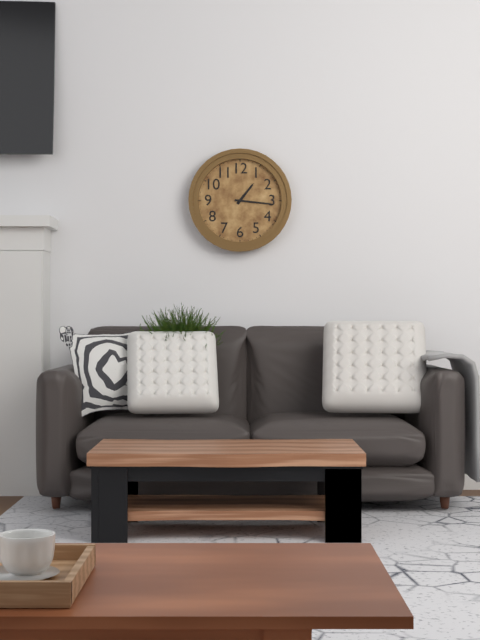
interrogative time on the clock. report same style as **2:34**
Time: **1:16**
